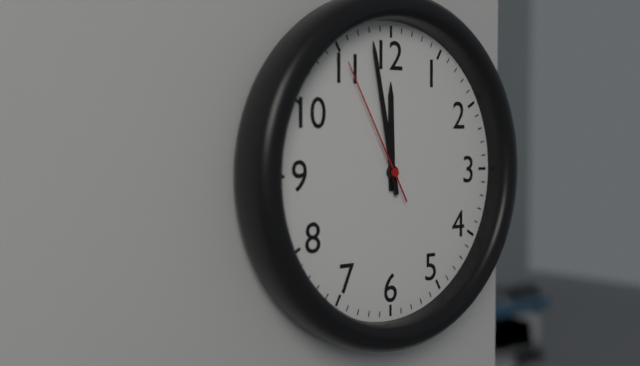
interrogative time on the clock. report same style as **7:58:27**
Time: **11:58:55**
